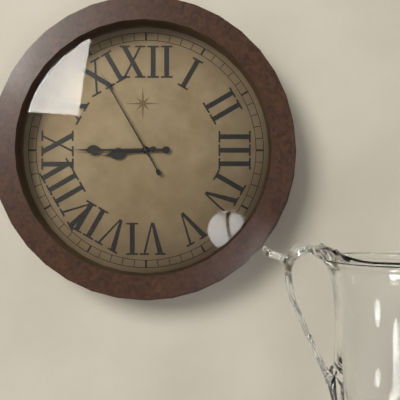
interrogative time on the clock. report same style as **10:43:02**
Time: **8:45:55**
